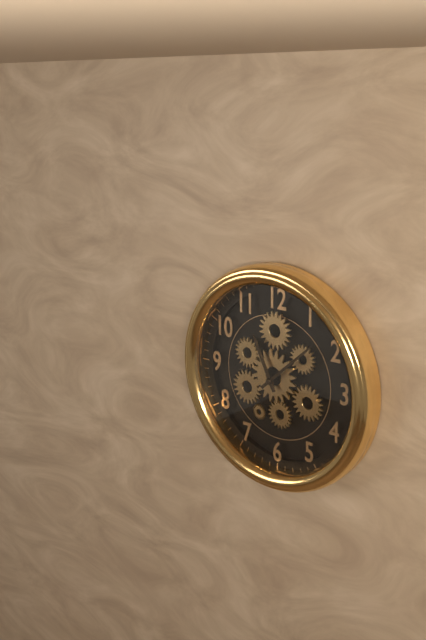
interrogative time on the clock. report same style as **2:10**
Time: **11:08**
